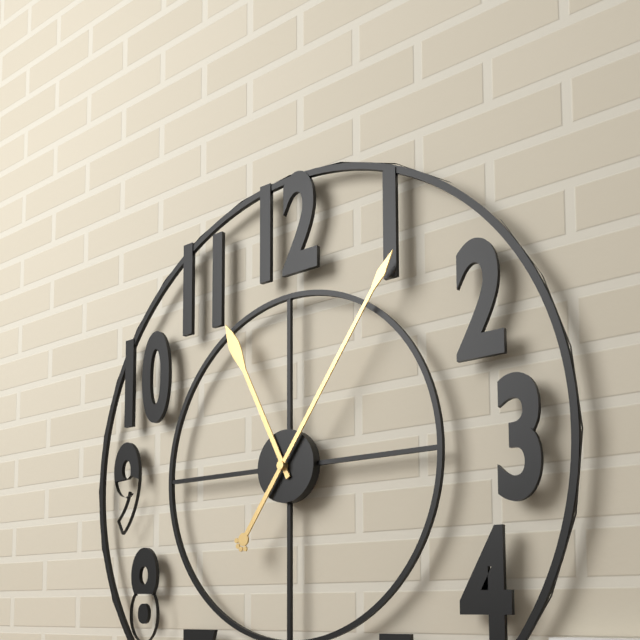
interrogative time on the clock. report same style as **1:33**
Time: **11:06**
